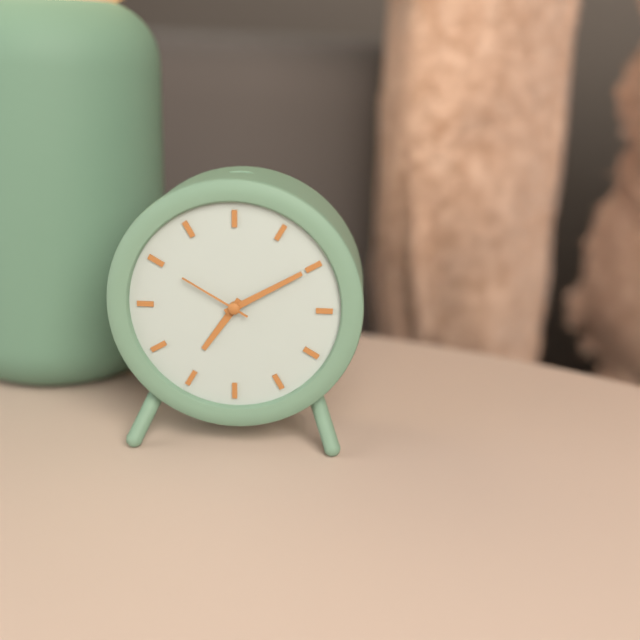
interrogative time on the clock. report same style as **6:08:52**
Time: **7:10:50**
